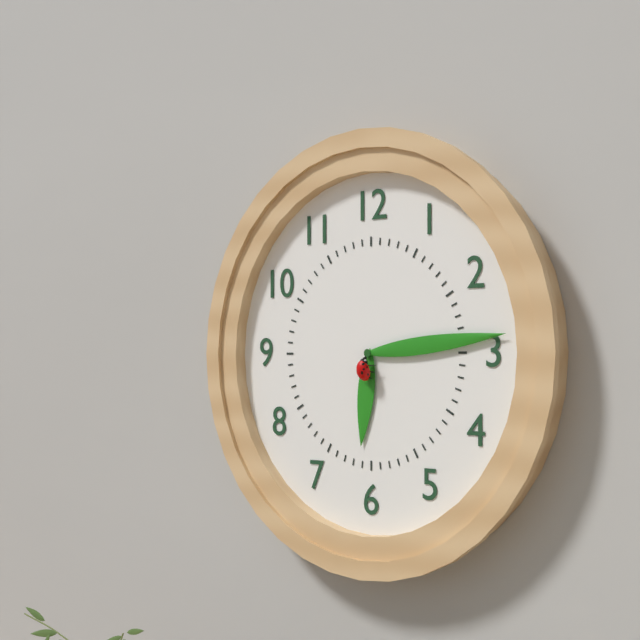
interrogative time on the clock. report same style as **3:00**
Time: **6:14**
